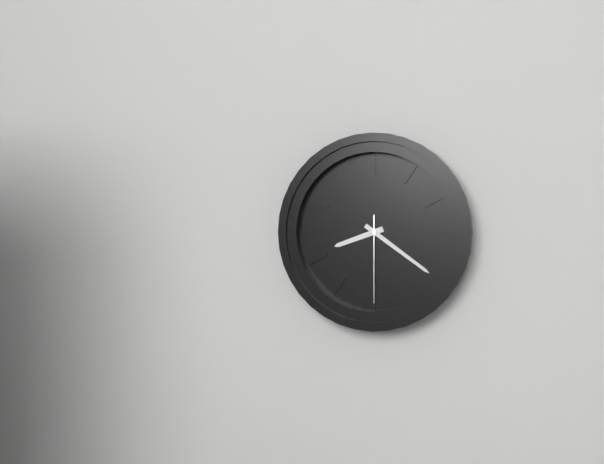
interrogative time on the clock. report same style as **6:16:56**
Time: **8:21:30**
